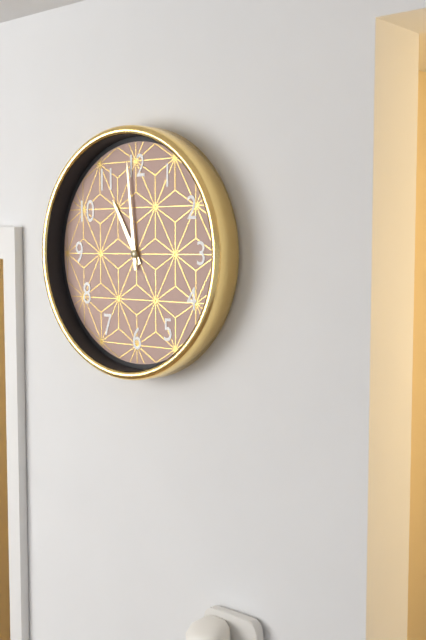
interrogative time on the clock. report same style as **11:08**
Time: **10:59**
